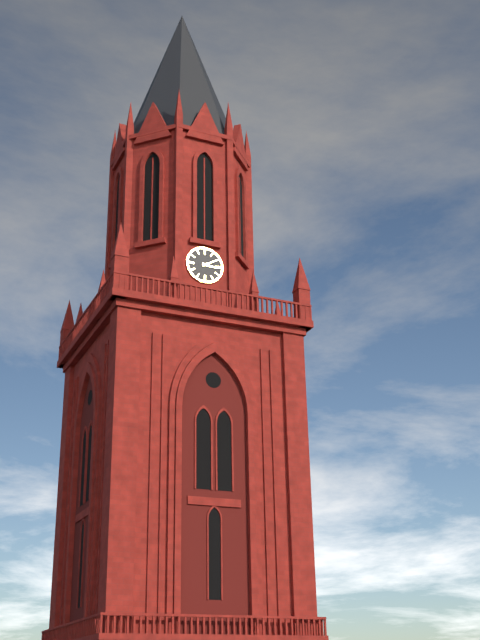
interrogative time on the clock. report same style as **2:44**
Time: **3:10**
